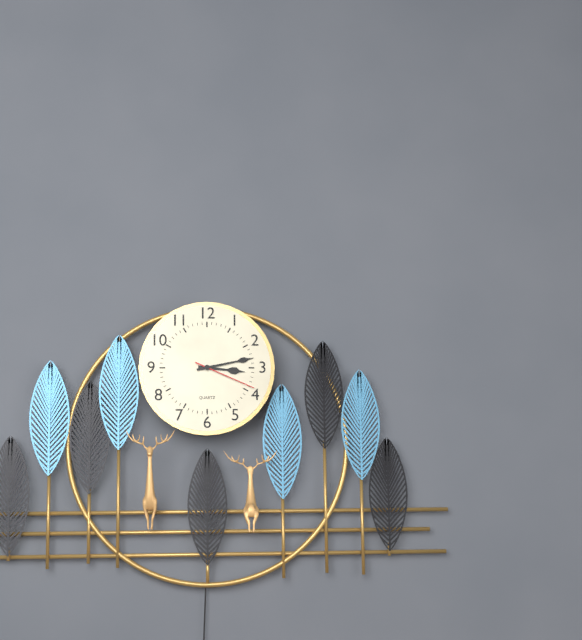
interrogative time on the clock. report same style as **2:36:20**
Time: **3:13:19**
